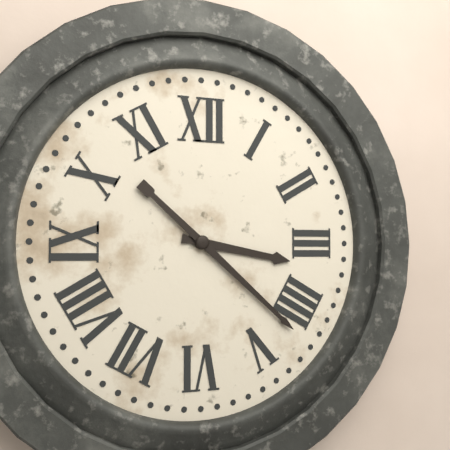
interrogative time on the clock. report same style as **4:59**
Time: **3:22**
